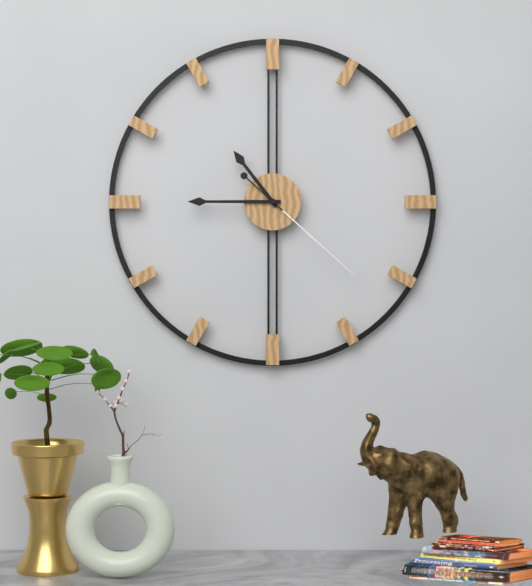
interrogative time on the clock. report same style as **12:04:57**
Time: **10:45:22**
